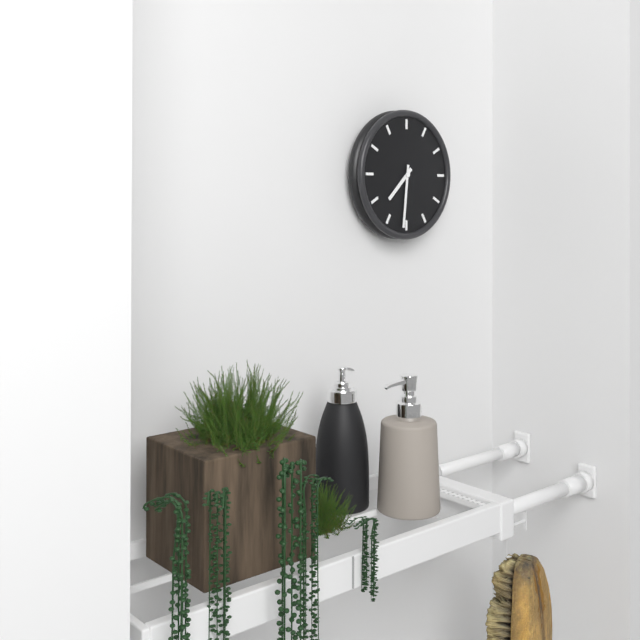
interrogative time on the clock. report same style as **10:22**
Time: **7:31**
